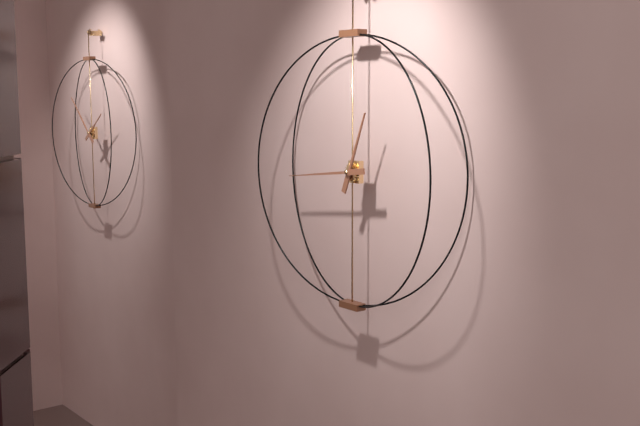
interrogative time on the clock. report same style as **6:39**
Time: **12:44**
